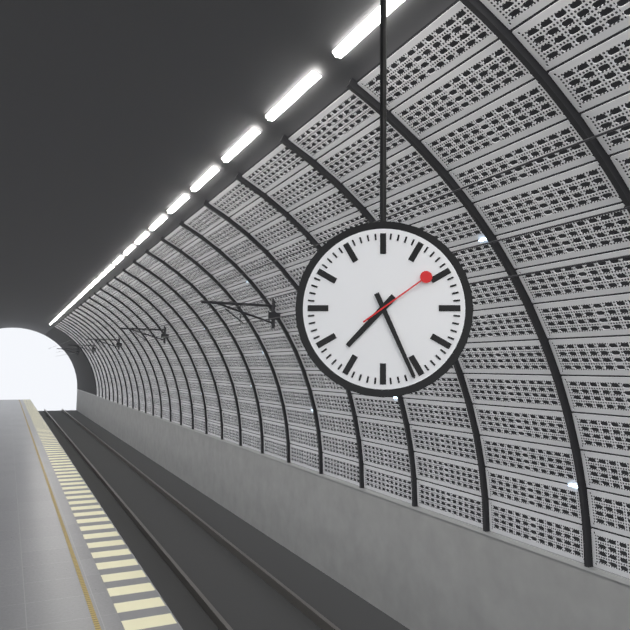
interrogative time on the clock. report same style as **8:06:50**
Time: **7:26:09**
